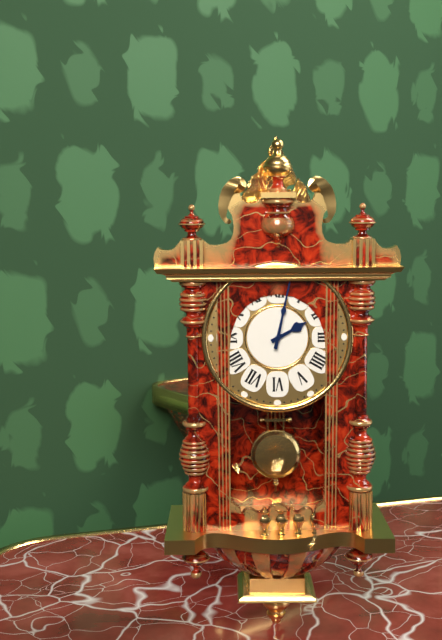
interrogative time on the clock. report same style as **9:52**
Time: **2:02**
